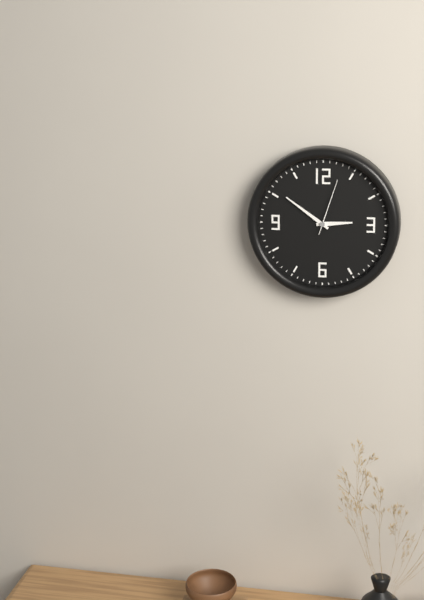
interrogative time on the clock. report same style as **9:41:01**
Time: **2:51:03**
